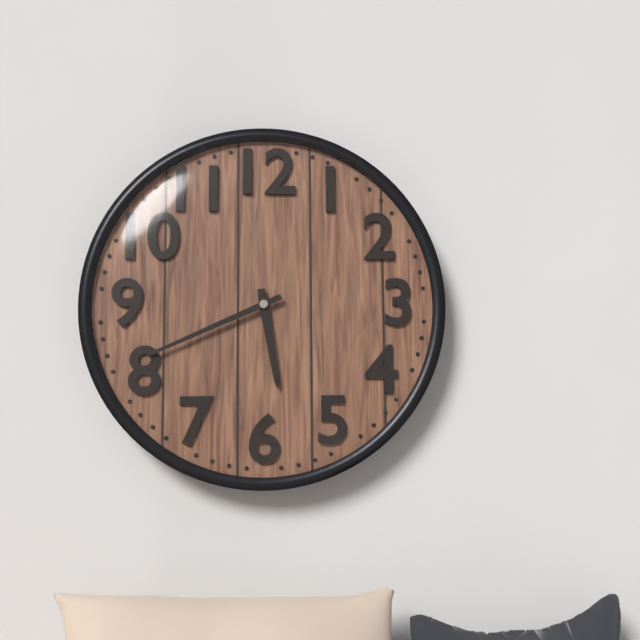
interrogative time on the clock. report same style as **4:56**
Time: **5:41**
